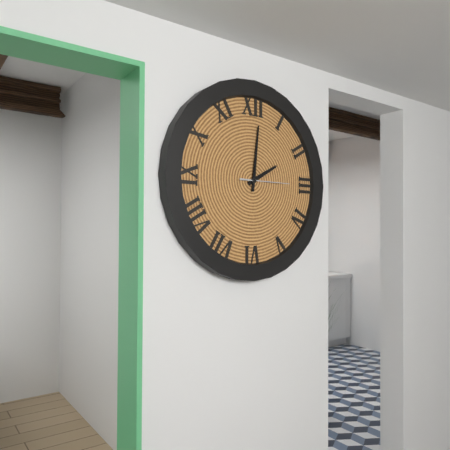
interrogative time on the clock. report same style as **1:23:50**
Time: **2:01:15**
